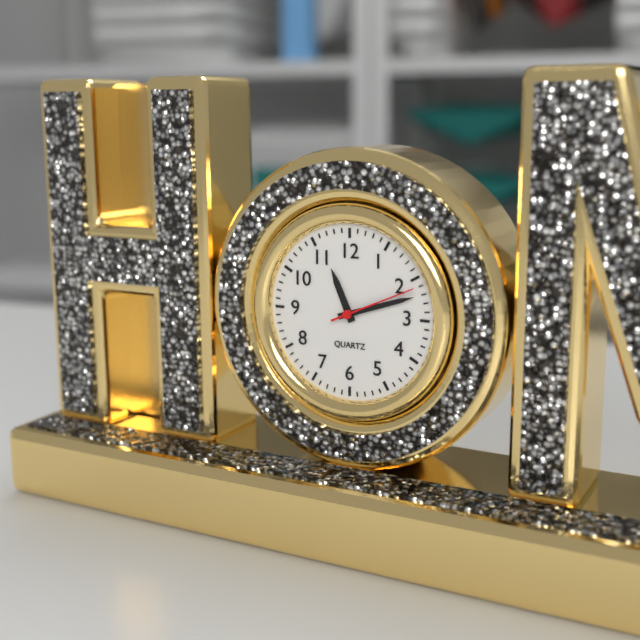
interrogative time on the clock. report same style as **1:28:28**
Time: **11:12:11**
